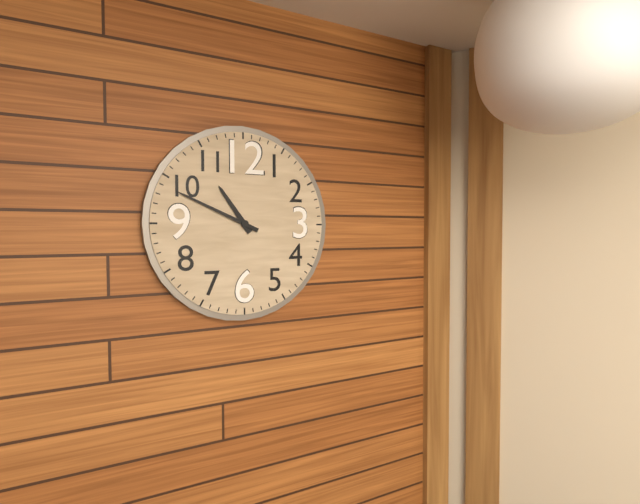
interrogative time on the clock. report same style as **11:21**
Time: **10:49**
